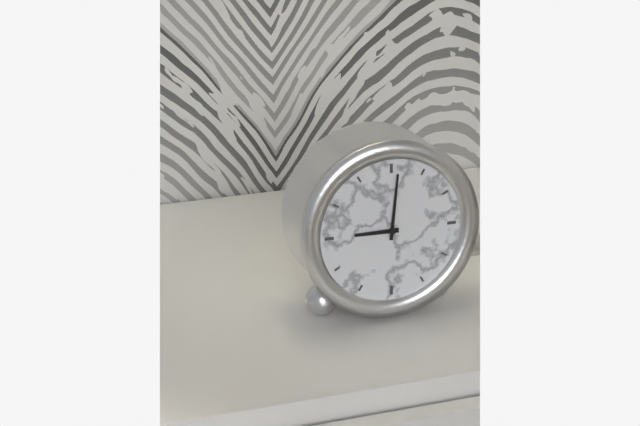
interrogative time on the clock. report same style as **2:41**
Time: **9:01**
